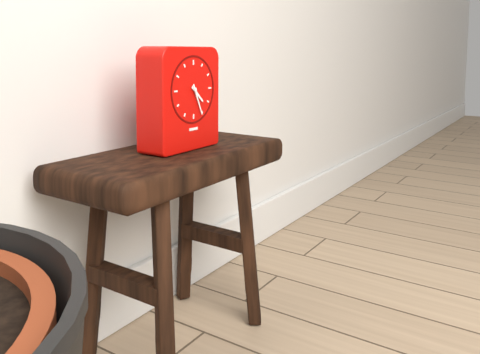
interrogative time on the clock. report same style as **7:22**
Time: **4:26**
